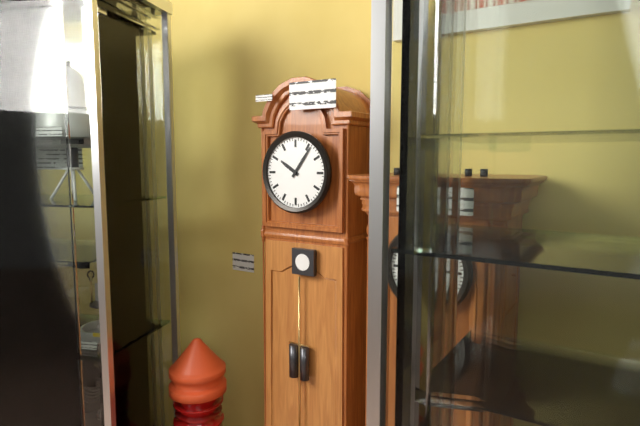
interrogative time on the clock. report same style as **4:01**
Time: **10:06**
